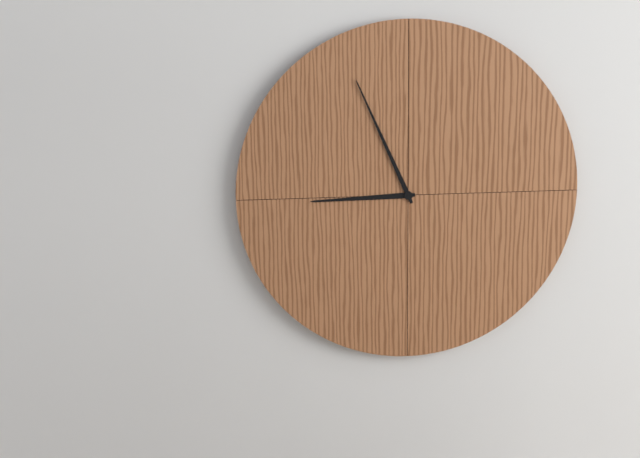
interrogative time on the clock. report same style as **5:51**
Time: **8:56**
